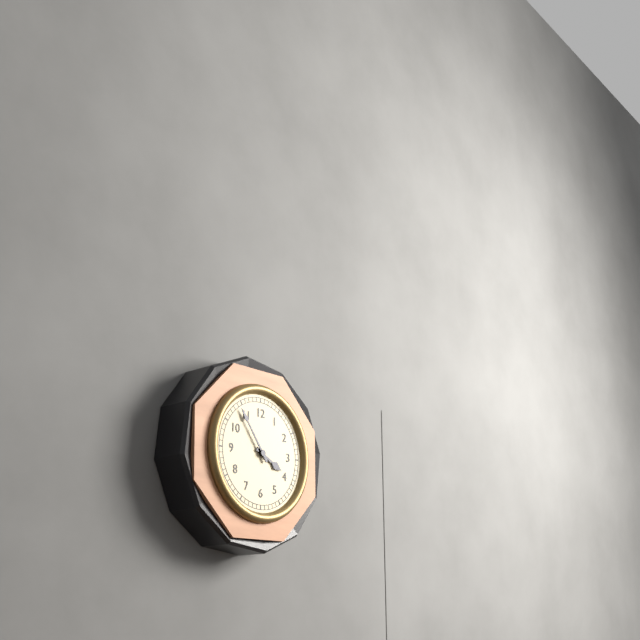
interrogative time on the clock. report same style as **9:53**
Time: **3:54**
